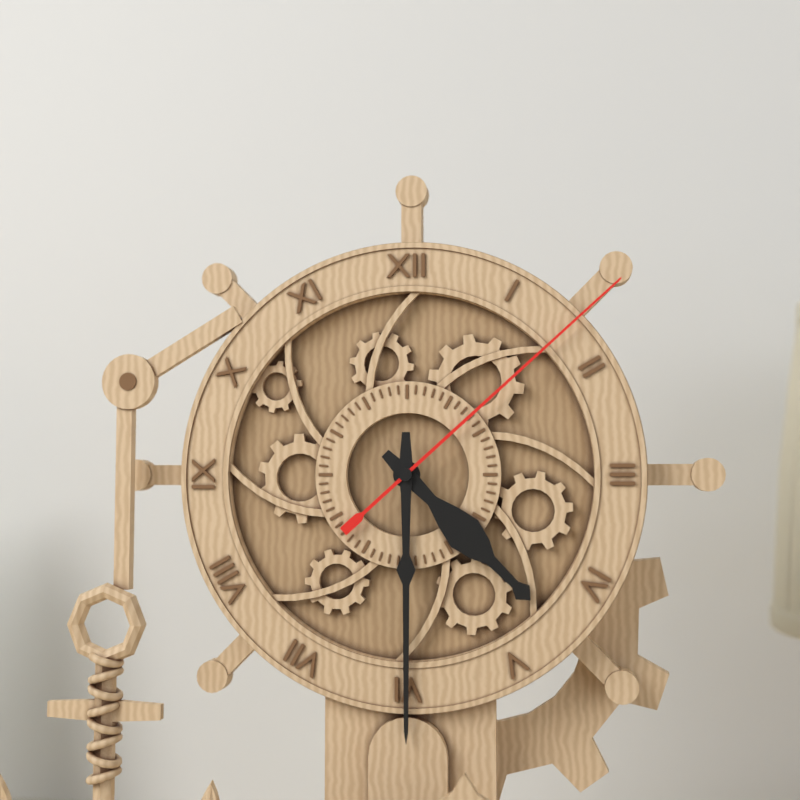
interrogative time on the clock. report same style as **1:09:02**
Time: **4:30:08**
